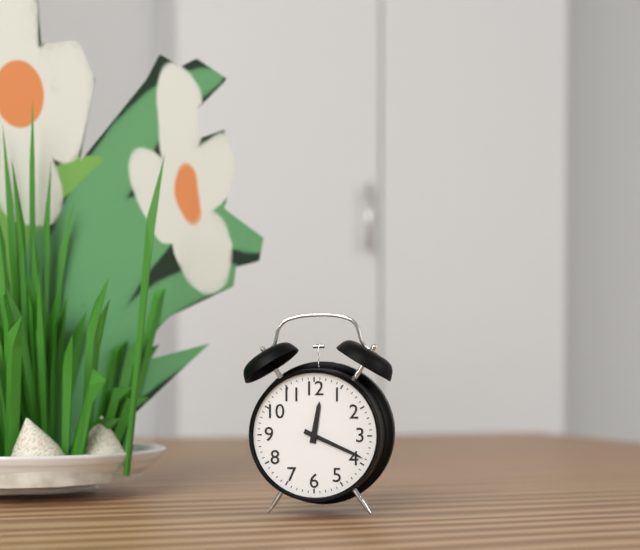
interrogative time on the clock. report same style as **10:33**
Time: **12:19**
